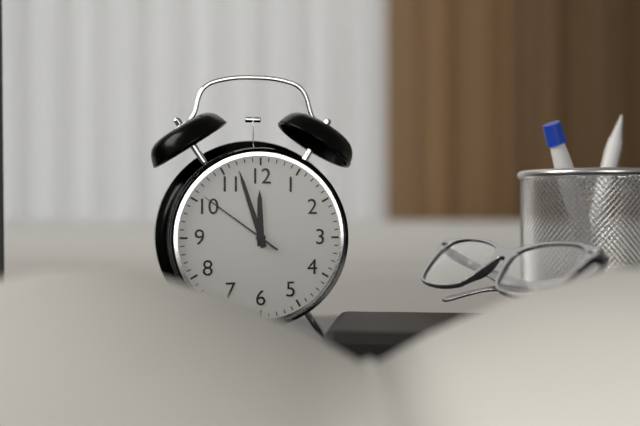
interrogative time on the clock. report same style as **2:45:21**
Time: **11:57:51**
